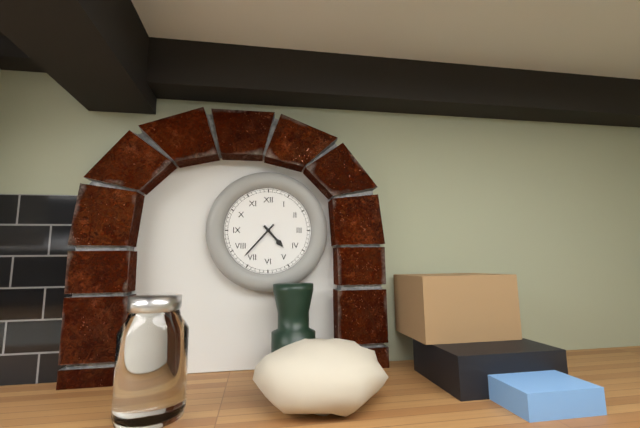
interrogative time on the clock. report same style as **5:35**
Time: **4:37**
